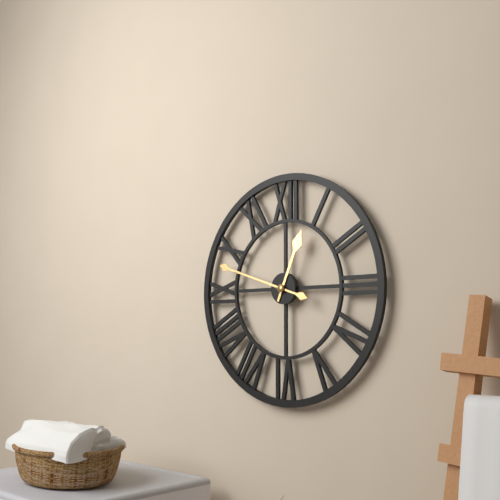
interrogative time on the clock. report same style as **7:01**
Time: **12:48**
